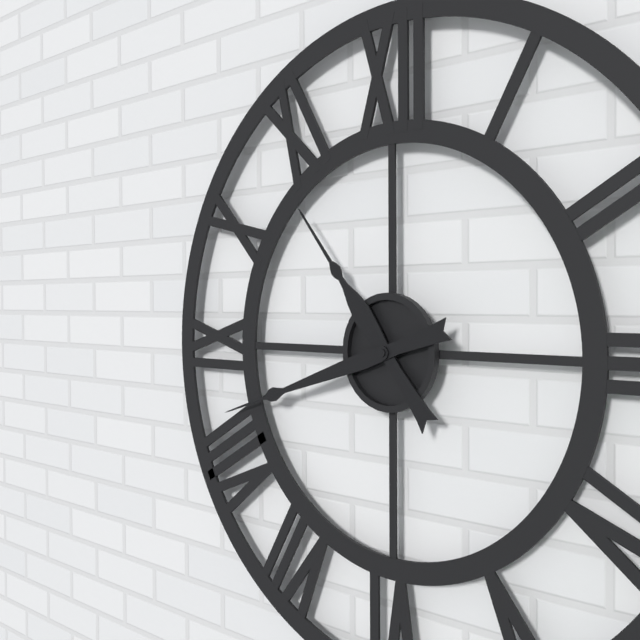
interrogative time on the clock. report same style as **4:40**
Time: **10:42**
